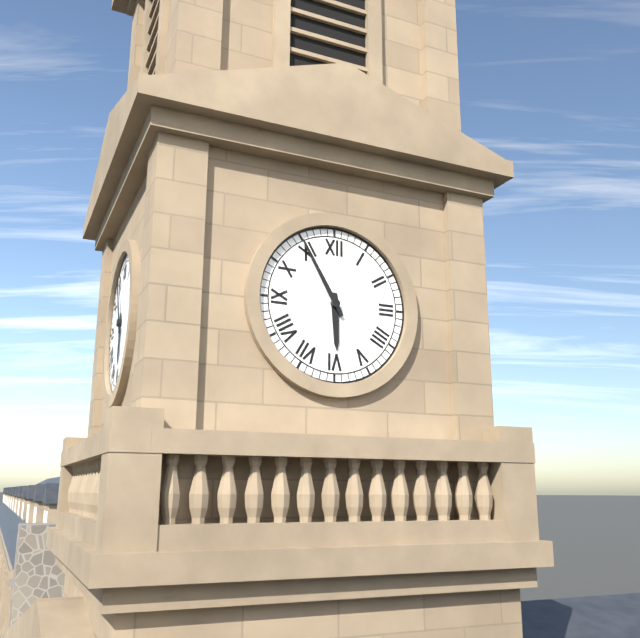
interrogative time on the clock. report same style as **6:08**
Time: **5:55**
